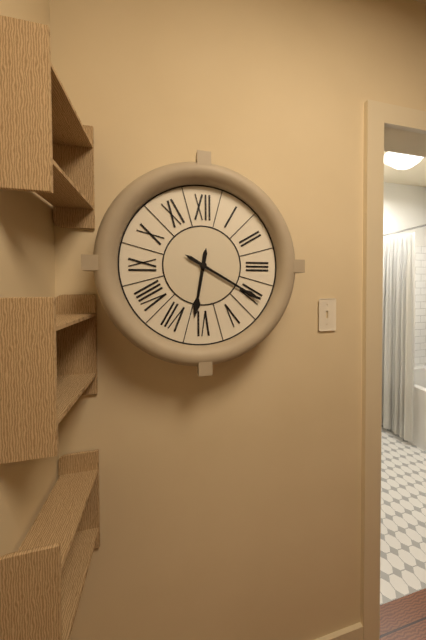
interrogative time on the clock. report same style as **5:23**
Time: **6:20**
